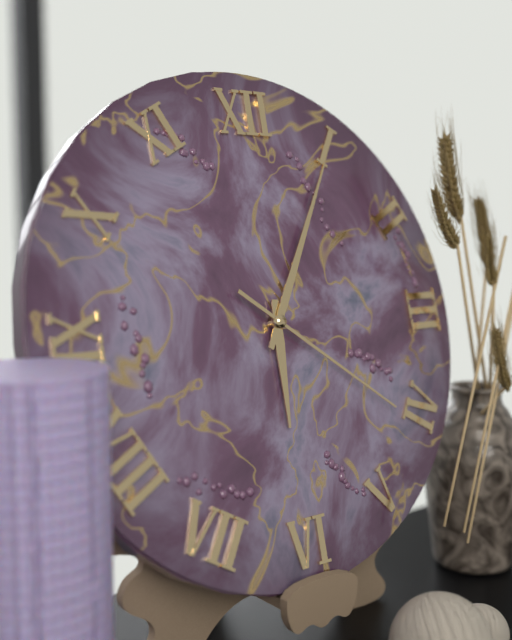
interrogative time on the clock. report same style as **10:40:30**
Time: **6:05:21**
